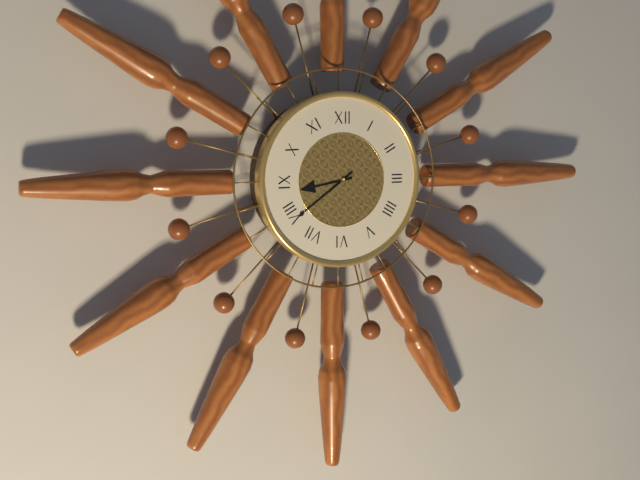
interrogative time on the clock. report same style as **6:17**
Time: **8:39**
